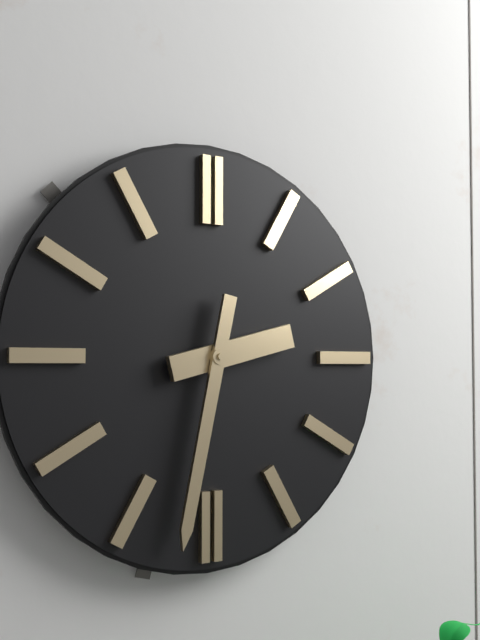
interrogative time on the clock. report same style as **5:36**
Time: **2:32**
